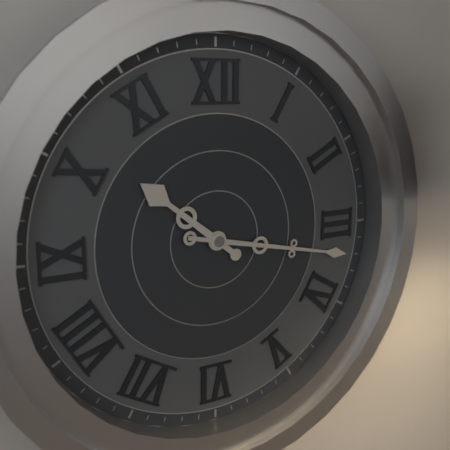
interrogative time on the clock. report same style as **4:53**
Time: **10:17**
